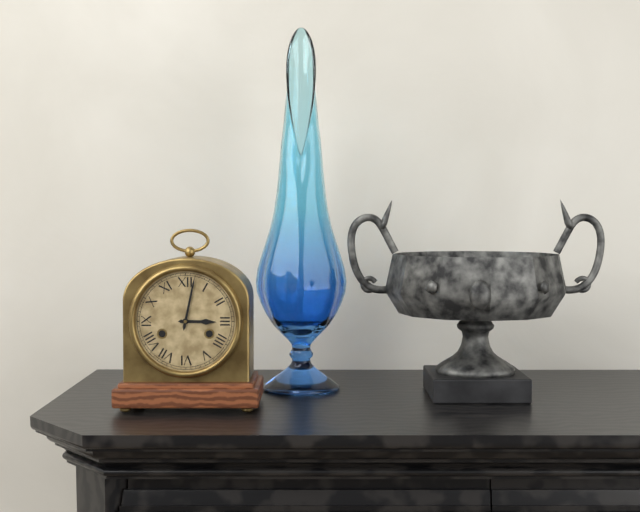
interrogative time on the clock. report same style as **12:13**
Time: **3:02**
